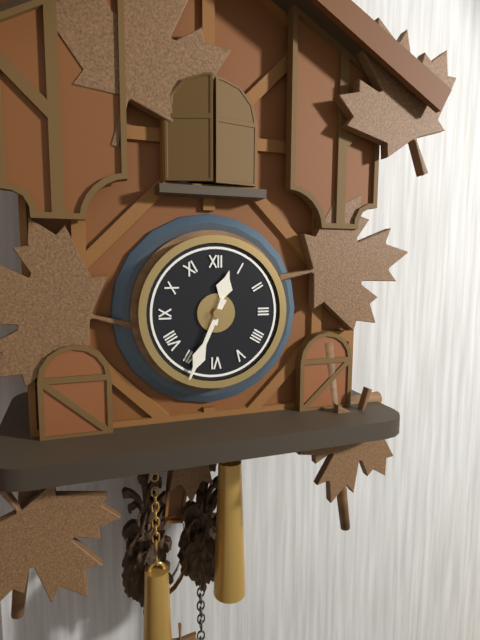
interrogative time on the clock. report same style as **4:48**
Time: **12:34**
